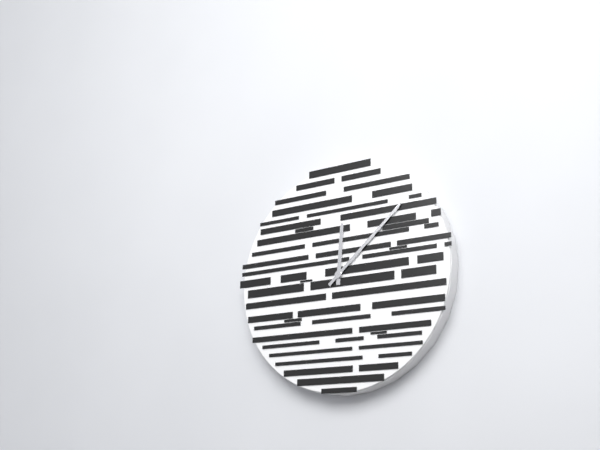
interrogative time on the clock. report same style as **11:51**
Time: **12:08**
